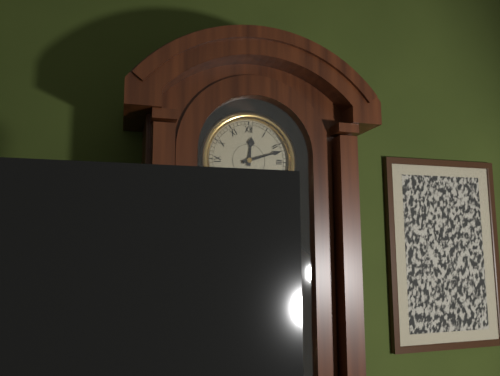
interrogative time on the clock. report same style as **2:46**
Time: **12:12**
